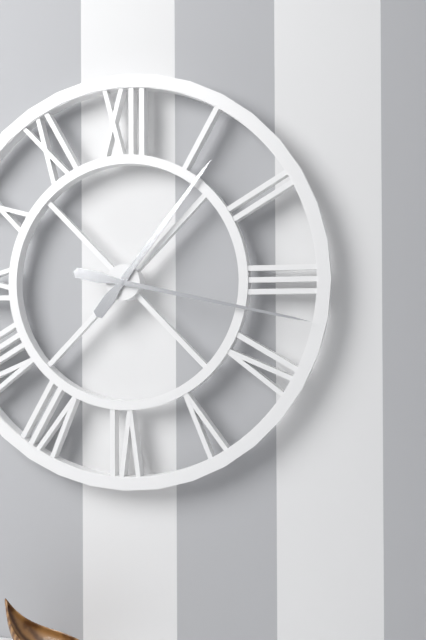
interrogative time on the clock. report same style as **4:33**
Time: **1:17**
